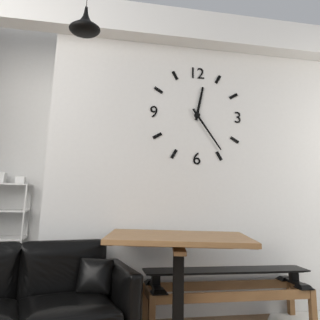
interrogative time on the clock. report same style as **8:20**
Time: **12:24**
